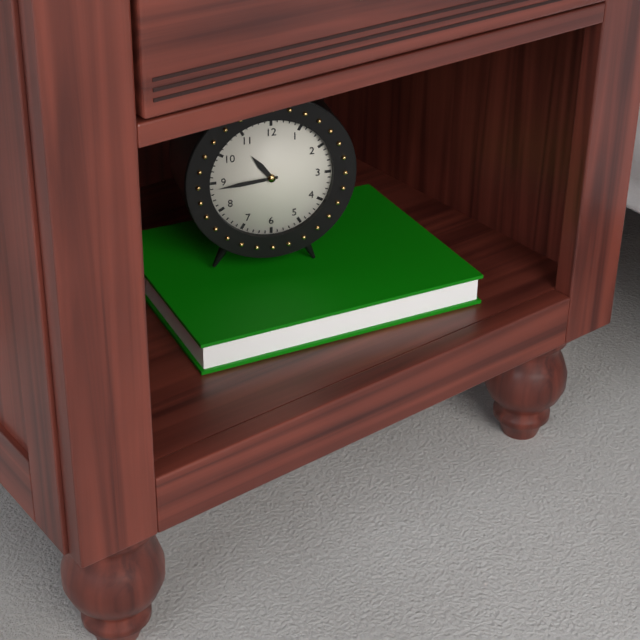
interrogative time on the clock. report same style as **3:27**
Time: **10:44**
